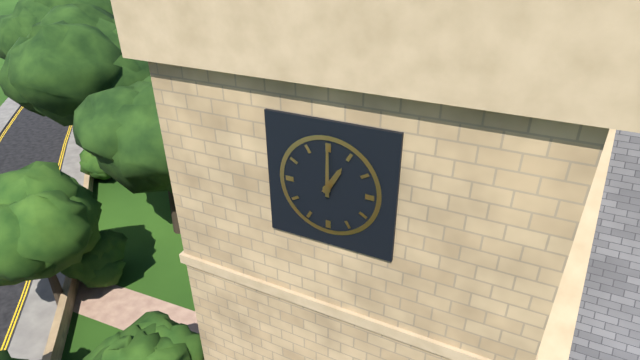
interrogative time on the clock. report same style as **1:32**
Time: **1:00**
